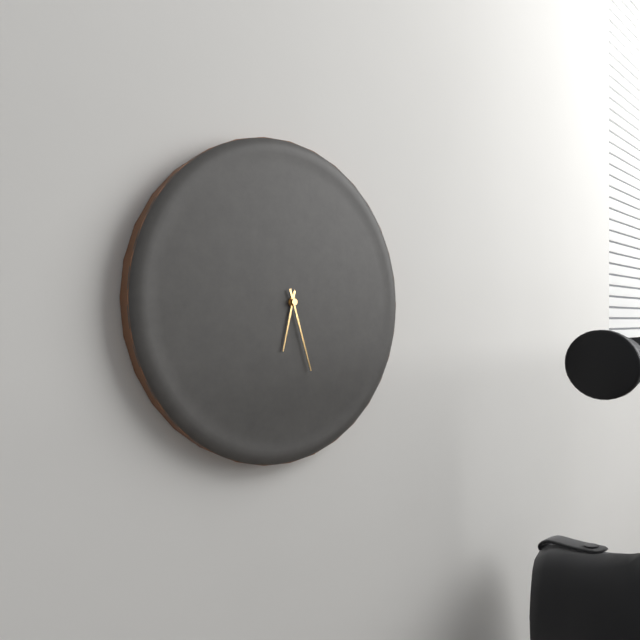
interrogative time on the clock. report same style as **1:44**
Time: **6:27**
